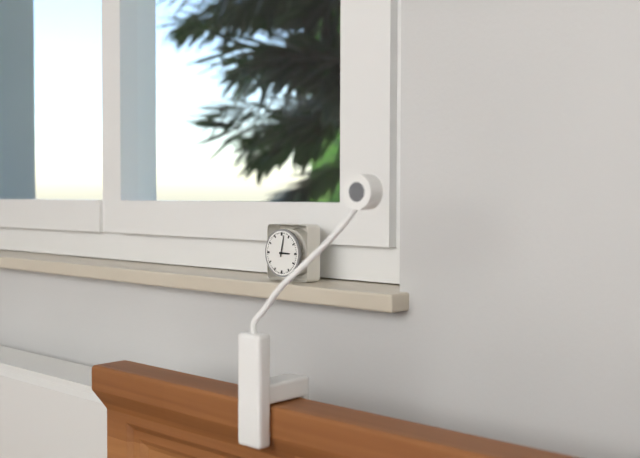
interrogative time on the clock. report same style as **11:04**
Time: **3:02**
